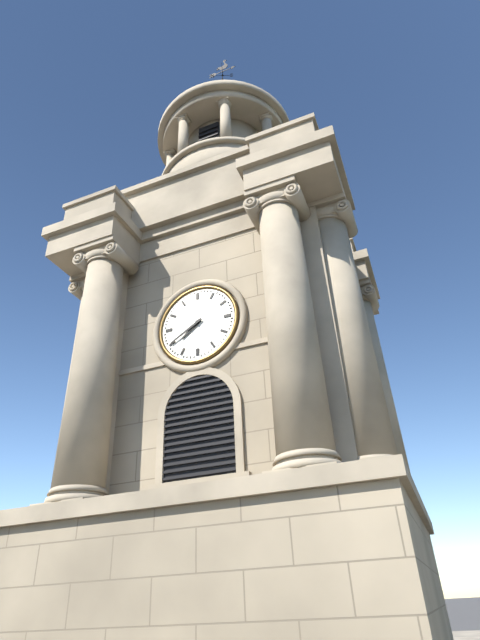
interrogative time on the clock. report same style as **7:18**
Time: **7:40**
